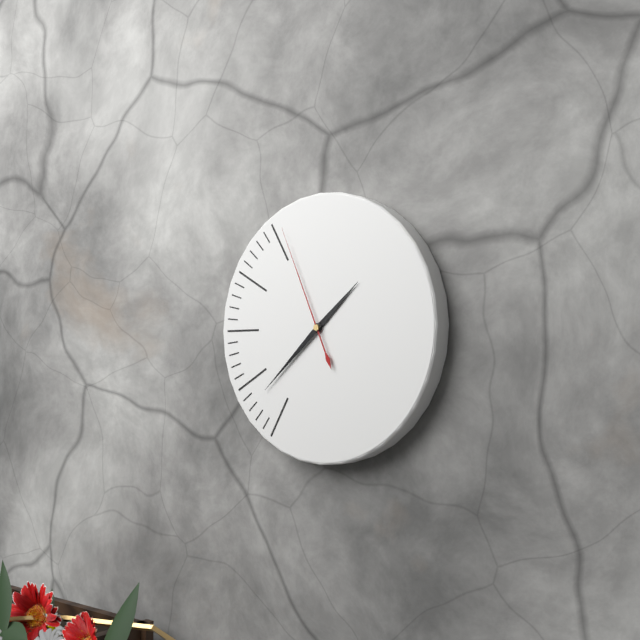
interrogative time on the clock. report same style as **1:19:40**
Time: **1:38:56**
